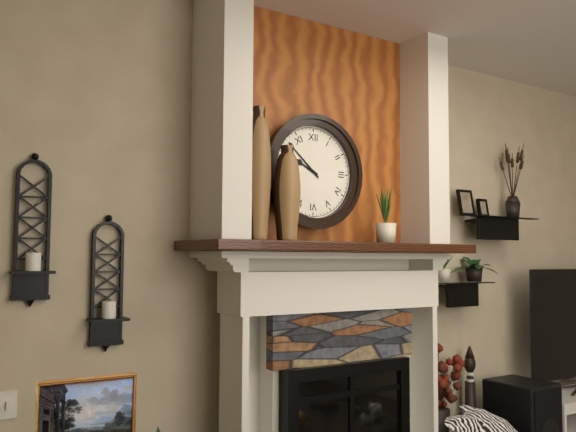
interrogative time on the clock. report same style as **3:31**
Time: **9:52**
